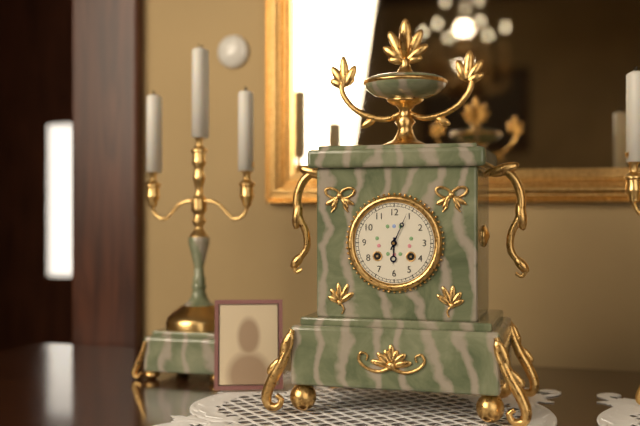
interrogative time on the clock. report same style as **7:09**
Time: **6:04**
